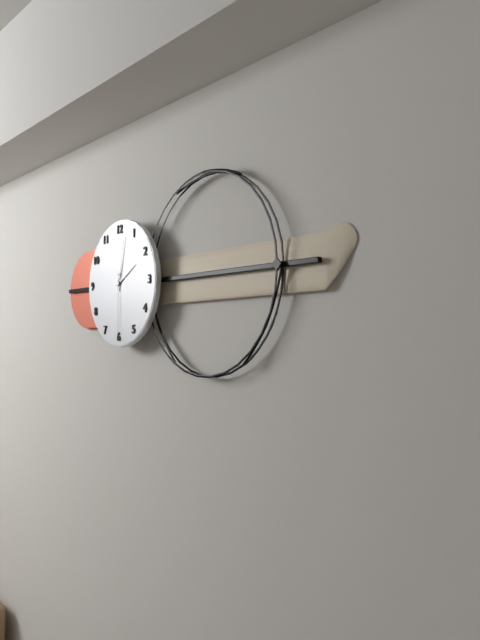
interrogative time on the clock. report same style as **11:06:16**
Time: **2:02:30**
